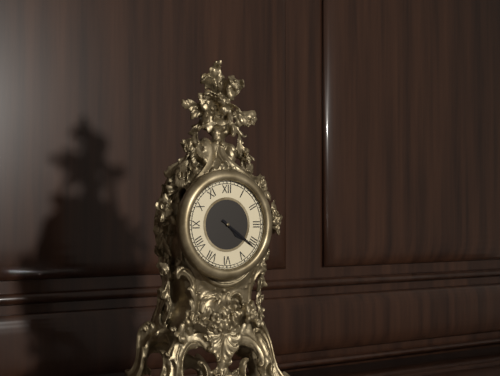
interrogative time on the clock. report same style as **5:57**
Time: **4:21**
